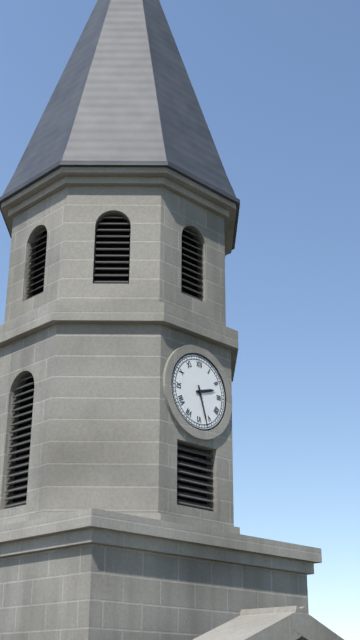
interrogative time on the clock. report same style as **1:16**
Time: **2:27**
